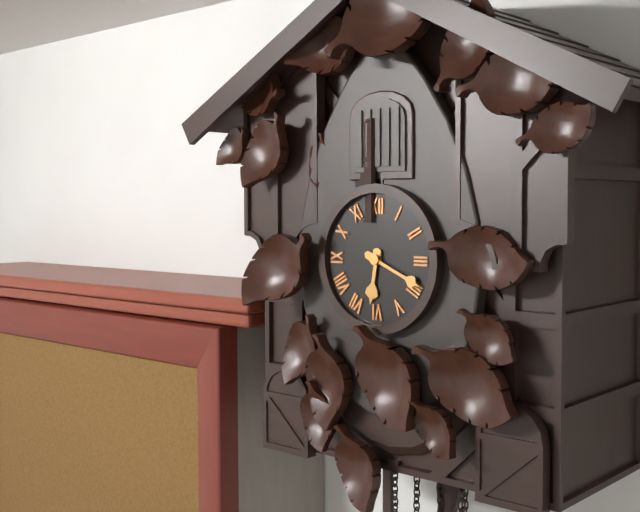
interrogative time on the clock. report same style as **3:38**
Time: **6:19**
